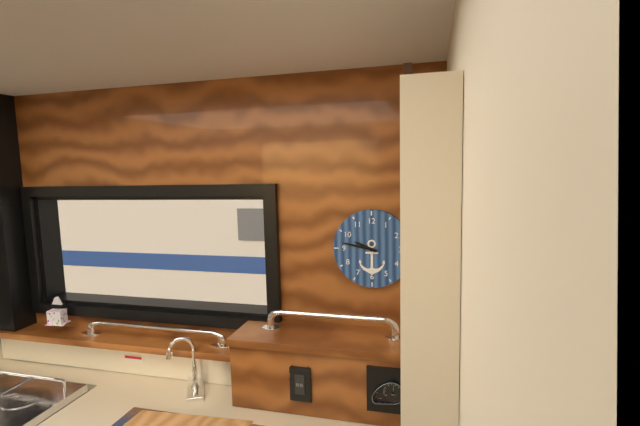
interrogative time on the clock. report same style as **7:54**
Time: **9:47**
